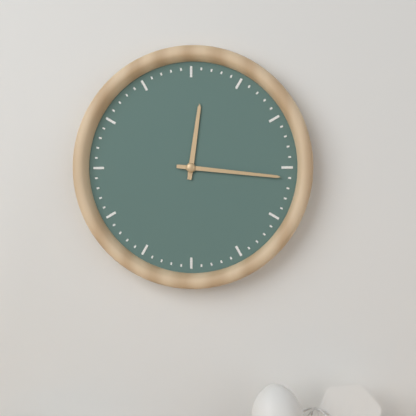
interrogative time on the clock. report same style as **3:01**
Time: **12:16**
